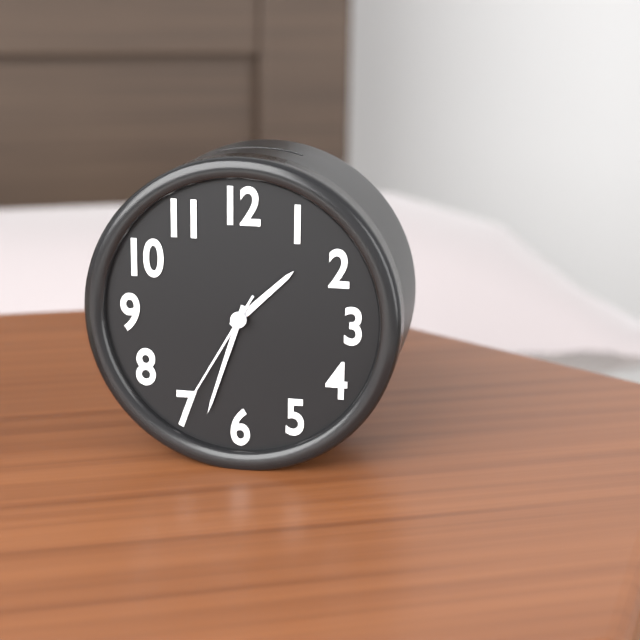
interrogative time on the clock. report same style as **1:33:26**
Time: **1:33:35**
